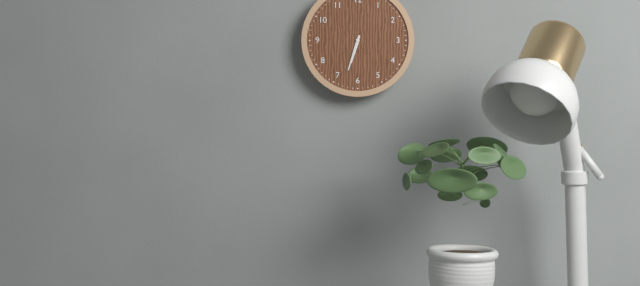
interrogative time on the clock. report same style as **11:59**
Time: **6:33**
